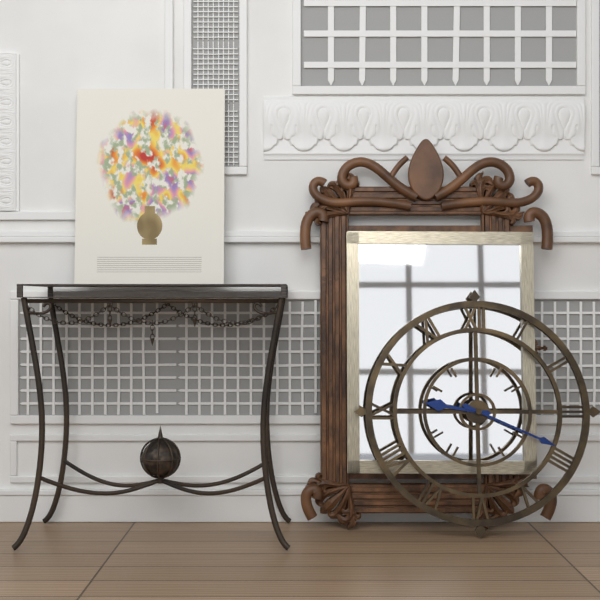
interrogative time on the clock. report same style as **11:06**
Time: **9:19**
